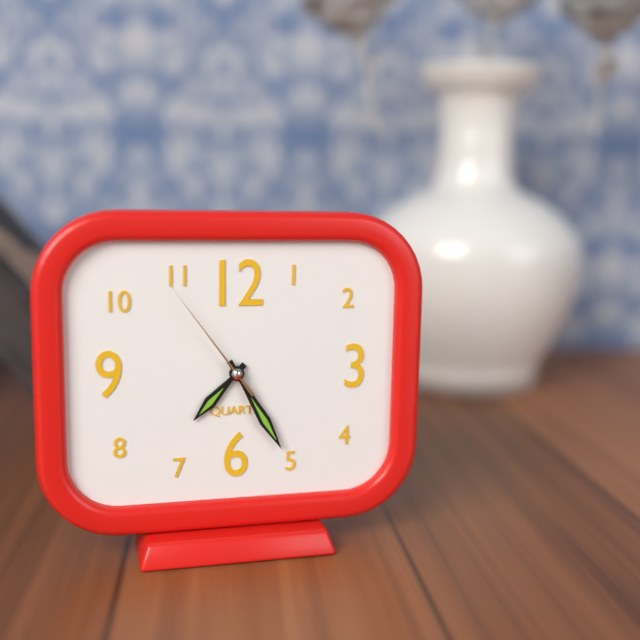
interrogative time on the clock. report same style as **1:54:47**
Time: **7:25:54**
